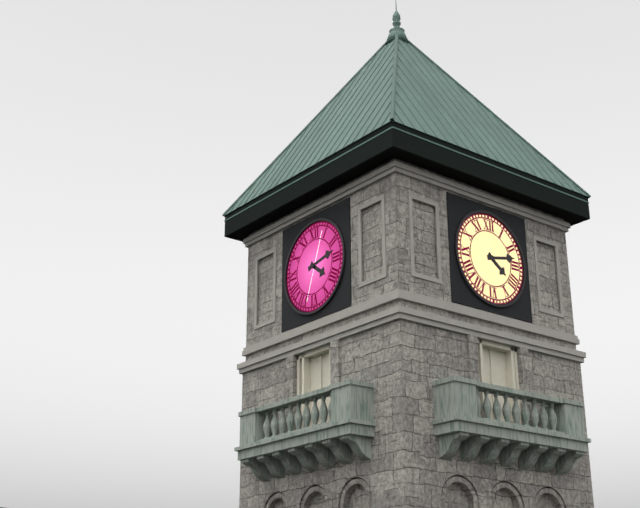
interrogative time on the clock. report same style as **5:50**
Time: **4:13**
